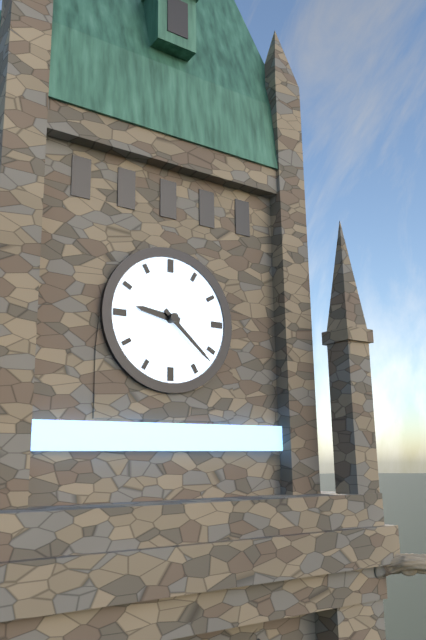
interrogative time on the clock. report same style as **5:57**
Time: **9:22**
